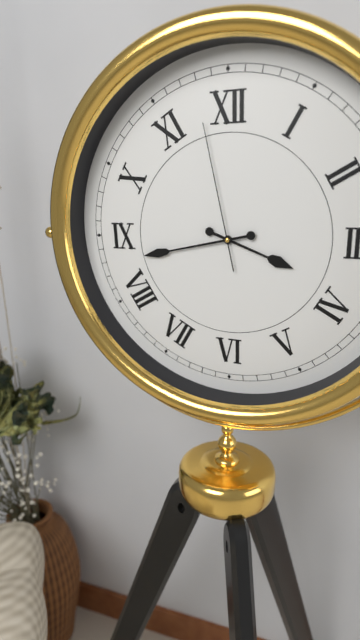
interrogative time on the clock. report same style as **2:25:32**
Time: **3:43:58**
